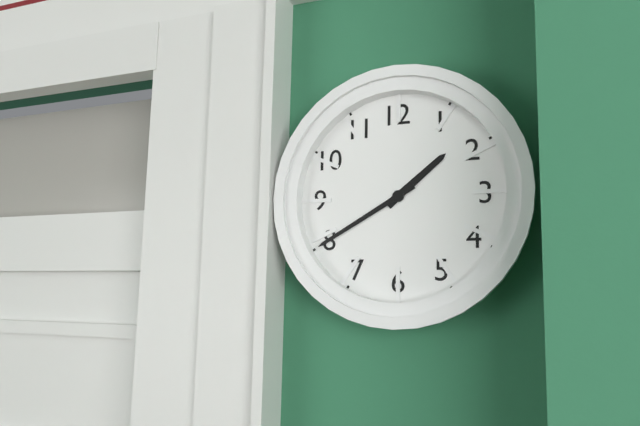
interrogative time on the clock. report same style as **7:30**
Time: **1:40**
